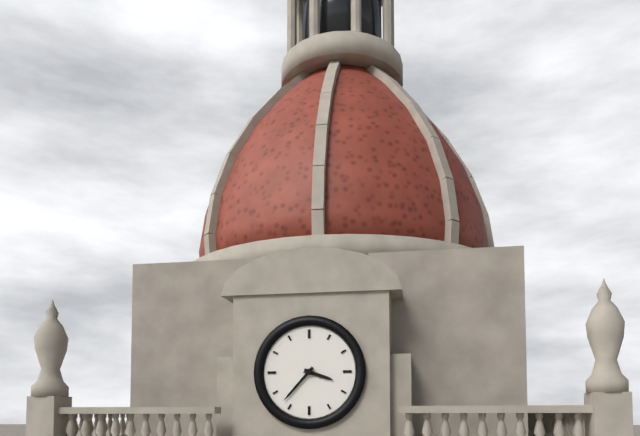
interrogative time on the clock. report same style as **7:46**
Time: **3:37**
